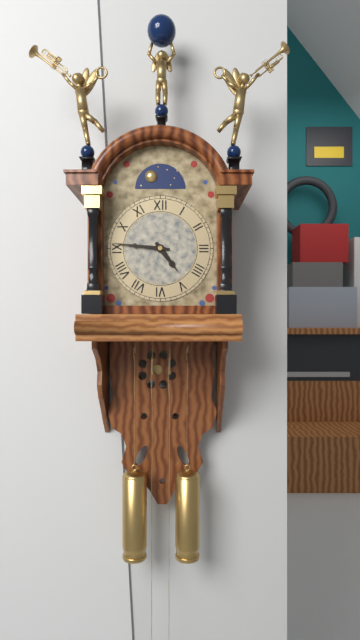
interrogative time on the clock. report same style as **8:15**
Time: **4:46**
